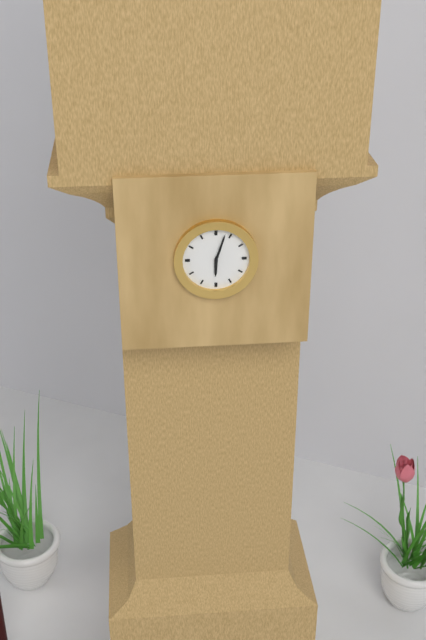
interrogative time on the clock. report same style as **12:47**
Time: **6:03**
